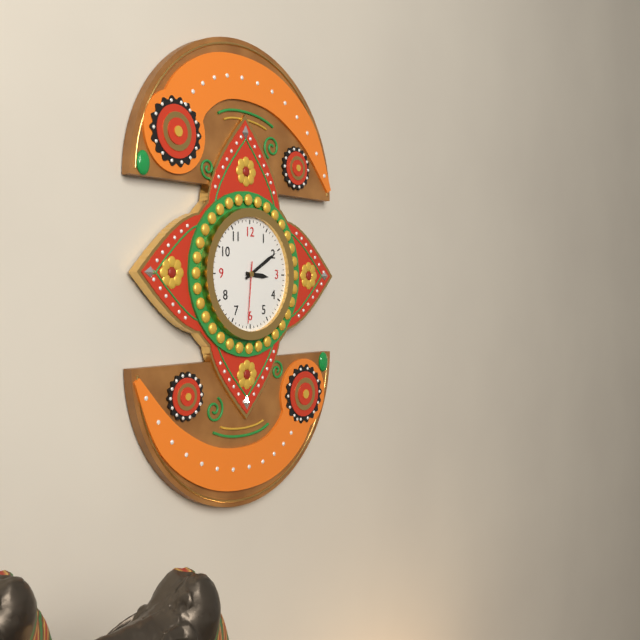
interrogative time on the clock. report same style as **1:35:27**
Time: **3:10:31**
